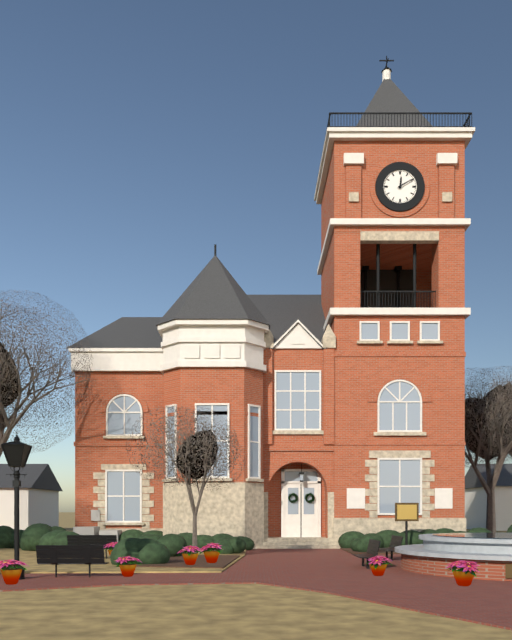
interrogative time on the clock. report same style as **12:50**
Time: **12:10**
